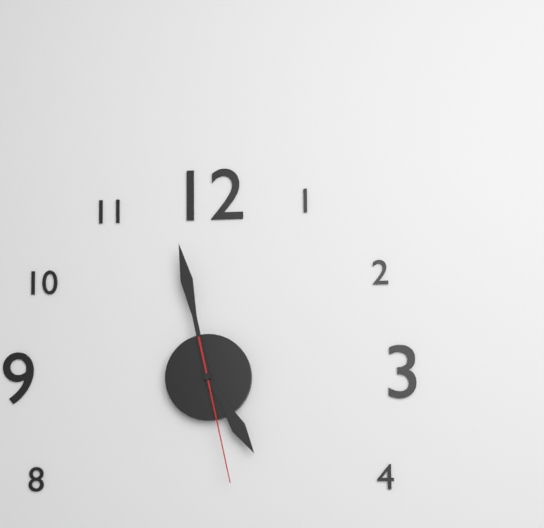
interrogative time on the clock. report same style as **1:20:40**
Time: **4:58:28**
